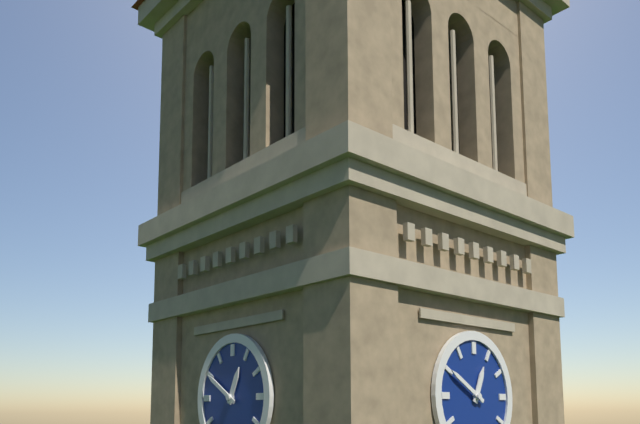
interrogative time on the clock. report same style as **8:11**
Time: **12:50**
